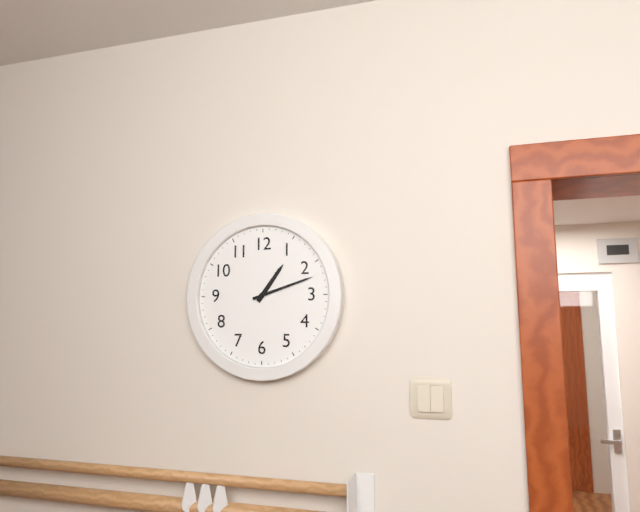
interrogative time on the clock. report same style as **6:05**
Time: **1:12**
